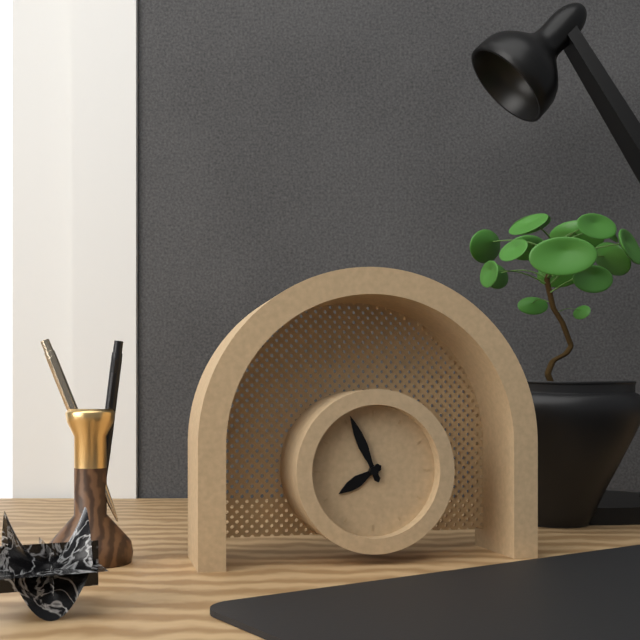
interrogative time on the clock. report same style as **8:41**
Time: **7:56**
